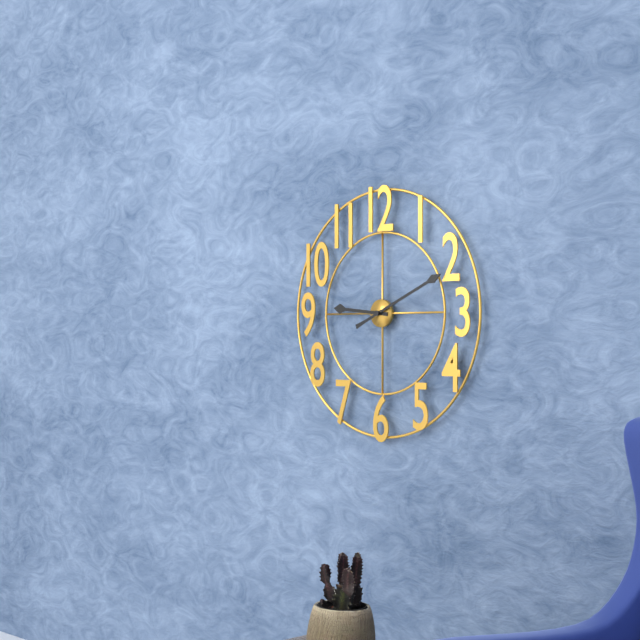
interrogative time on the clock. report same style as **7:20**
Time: **9:11**
